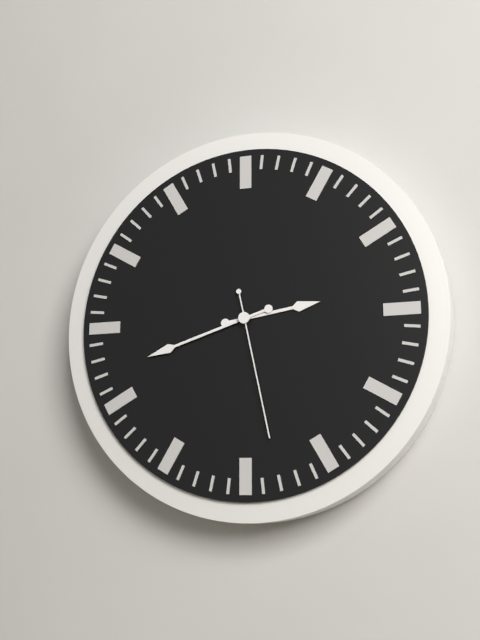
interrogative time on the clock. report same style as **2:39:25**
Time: **2:42:28**
